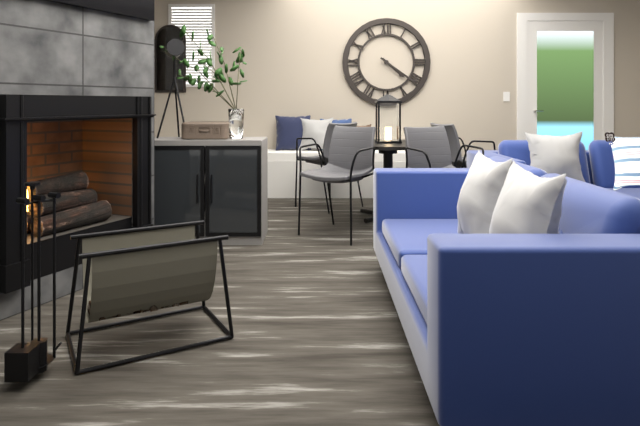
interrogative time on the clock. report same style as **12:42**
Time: **4:21**
